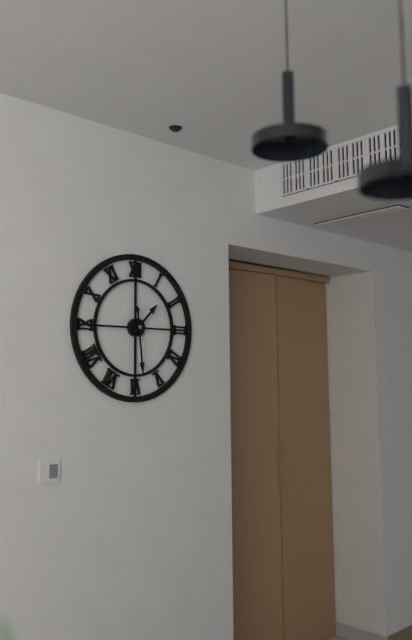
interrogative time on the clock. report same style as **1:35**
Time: **1:29**
